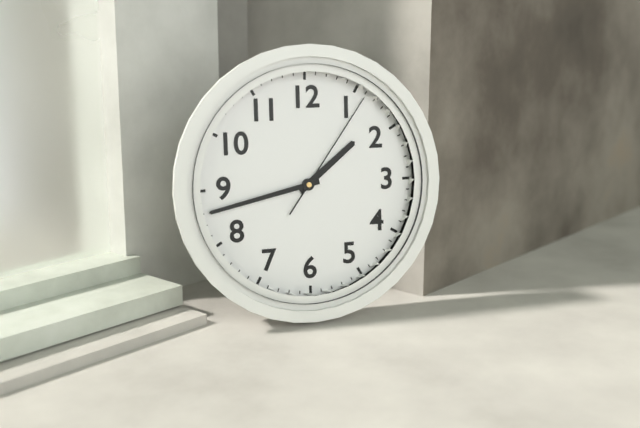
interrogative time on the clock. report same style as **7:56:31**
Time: **1:43:06**
